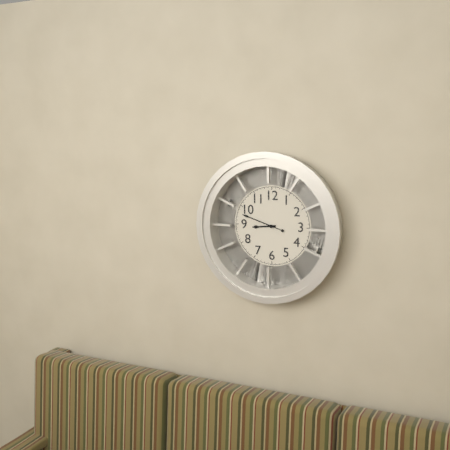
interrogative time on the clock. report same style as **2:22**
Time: **8:48**
